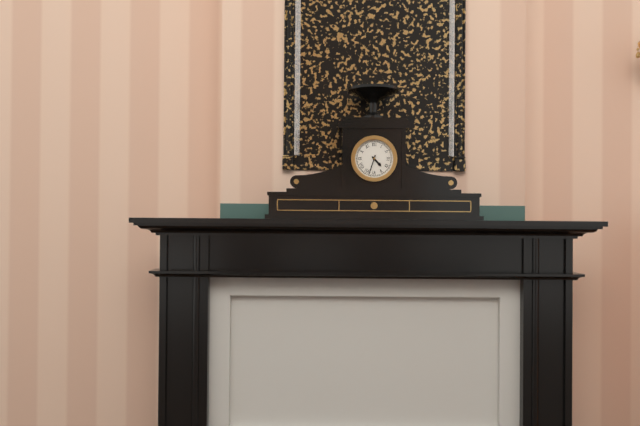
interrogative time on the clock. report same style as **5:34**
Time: **4:33**
